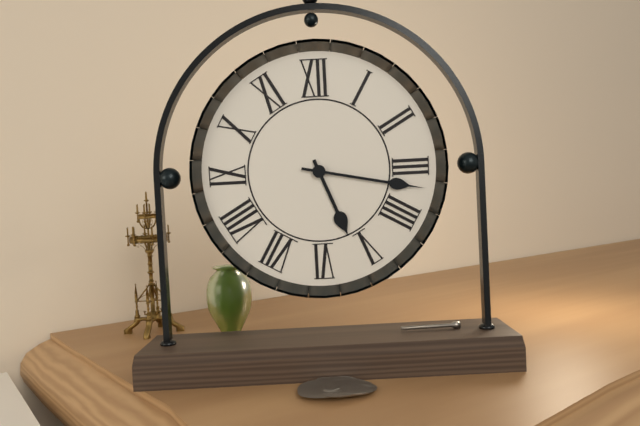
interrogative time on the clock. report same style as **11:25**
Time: **5:17**
